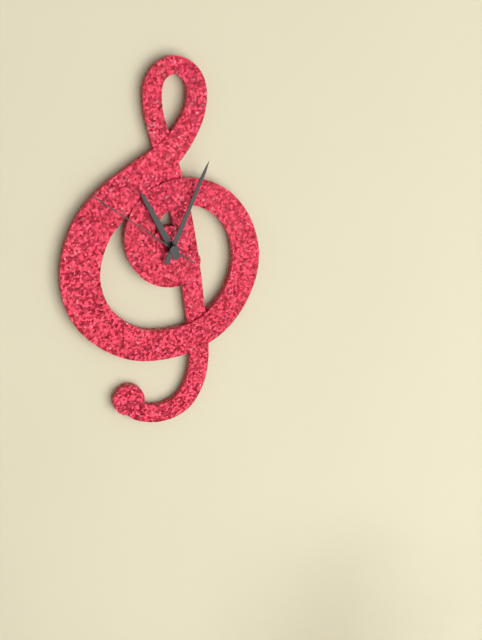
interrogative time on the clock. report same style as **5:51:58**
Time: **11:04:51**
